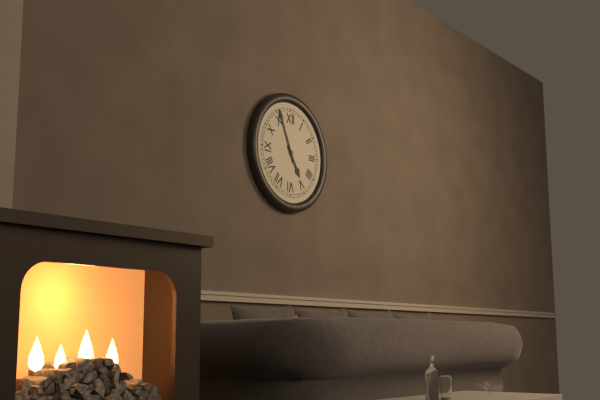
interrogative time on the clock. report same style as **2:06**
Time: **4:56**
